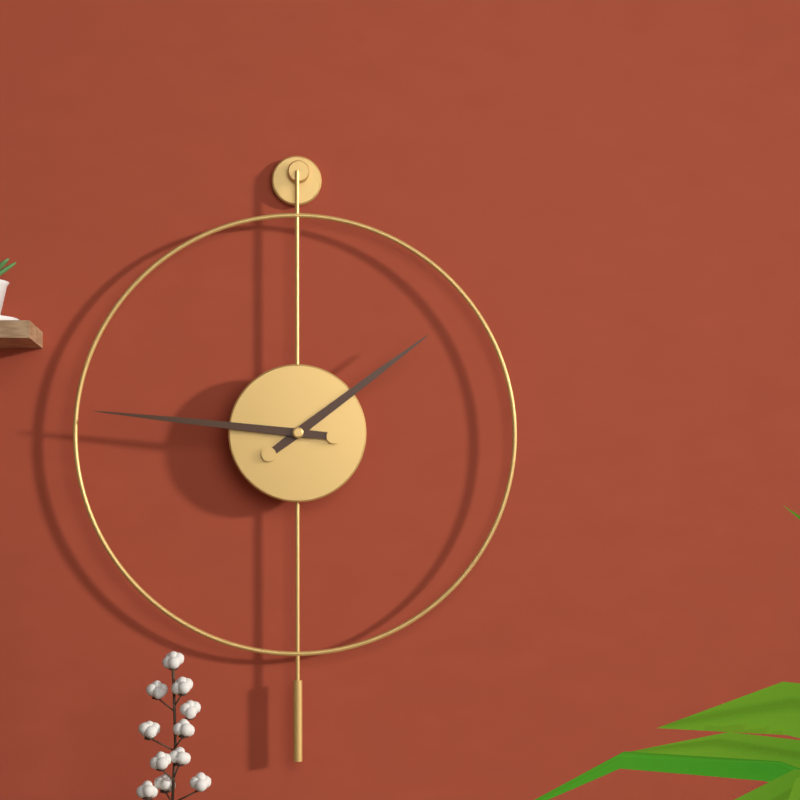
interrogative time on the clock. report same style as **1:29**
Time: **1:46**
